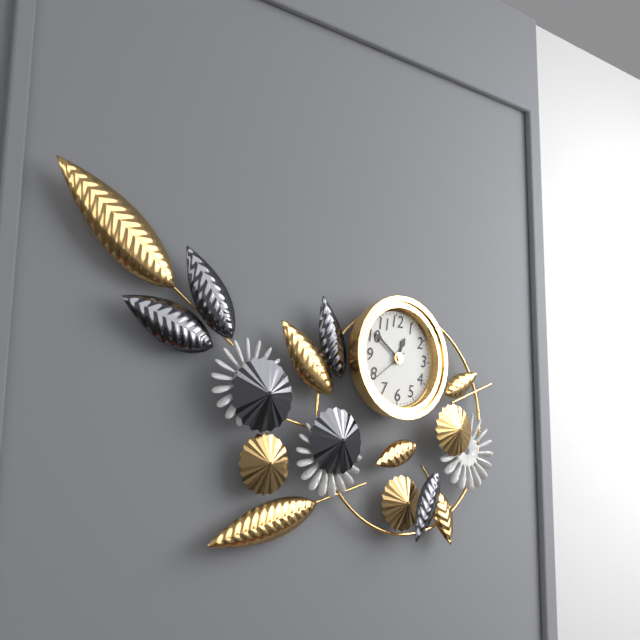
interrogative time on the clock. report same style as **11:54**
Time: **12:51**
